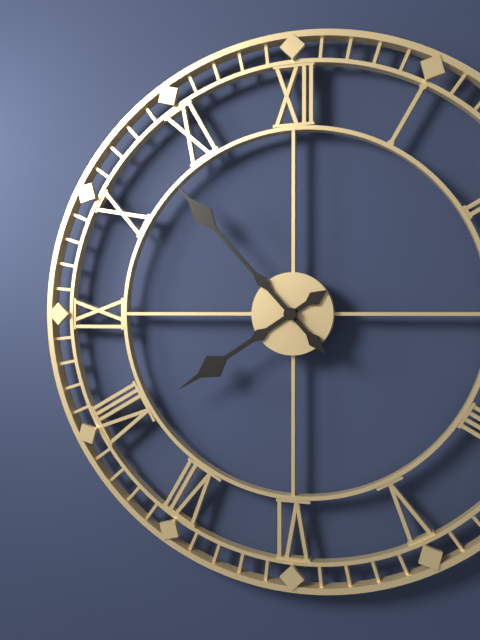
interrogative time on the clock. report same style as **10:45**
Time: **7:53**
